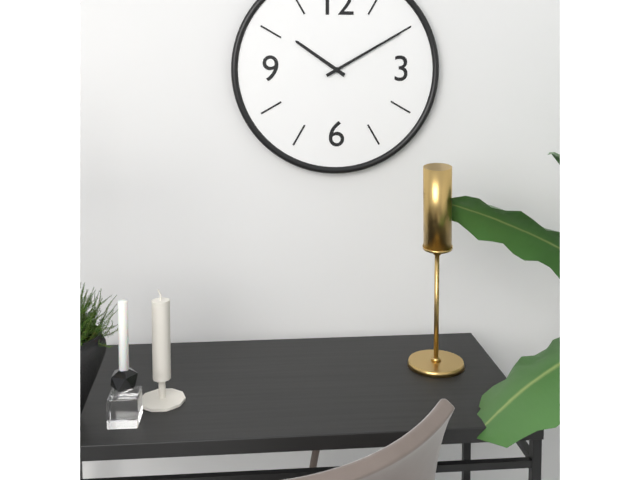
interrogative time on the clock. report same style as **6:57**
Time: **10:10**
